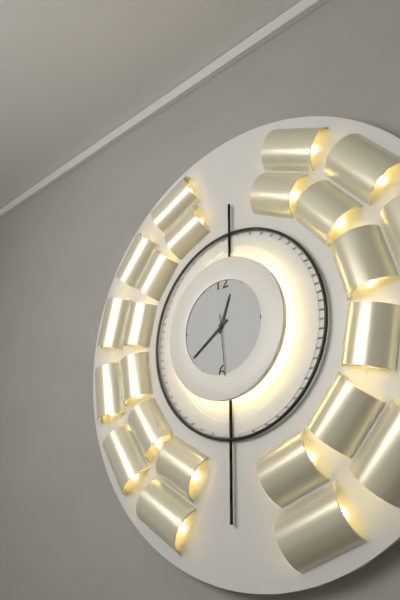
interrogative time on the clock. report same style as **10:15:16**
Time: **12:39:29**
